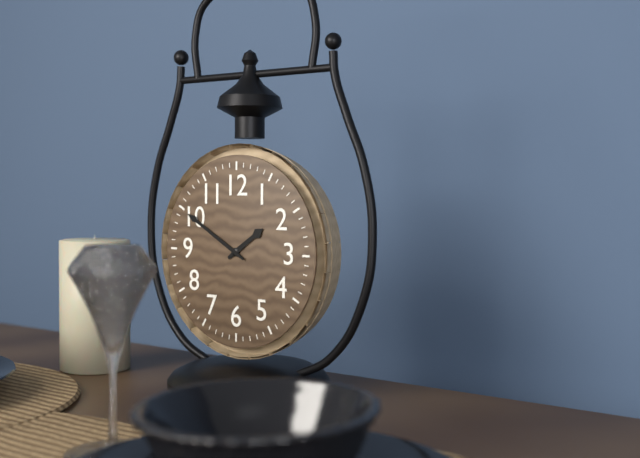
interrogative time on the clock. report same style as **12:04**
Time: **1:50**
